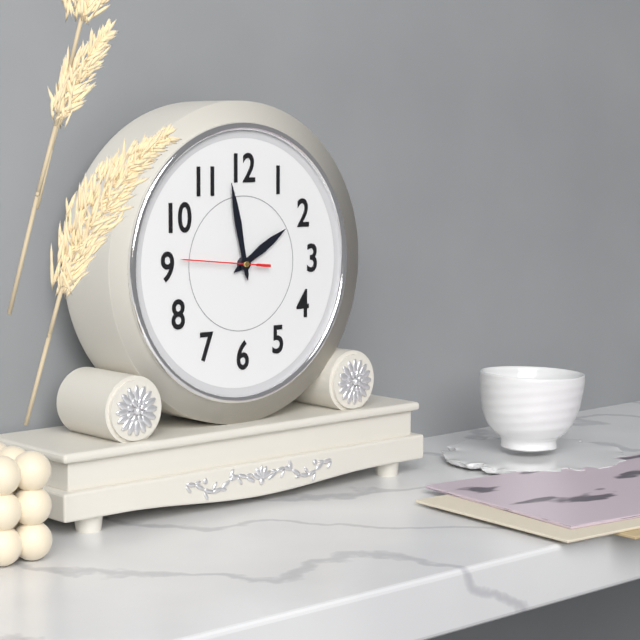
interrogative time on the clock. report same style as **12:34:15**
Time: **1:58:46**
